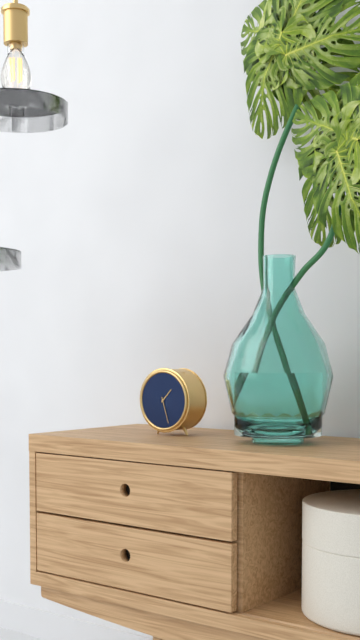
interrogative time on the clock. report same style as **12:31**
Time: **1:27**
